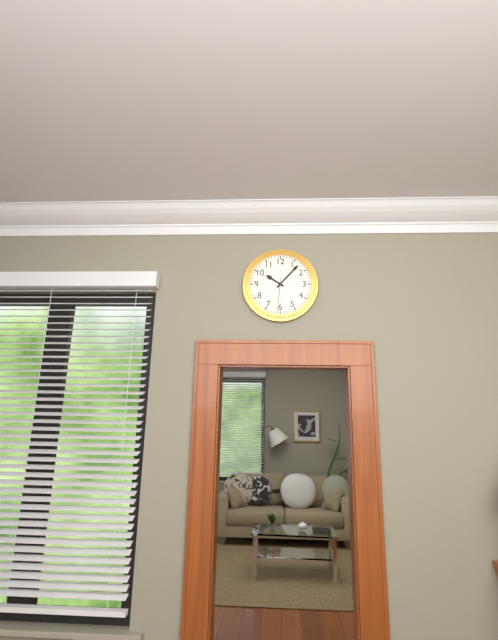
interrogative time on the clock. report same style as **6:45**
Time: **10:07**
